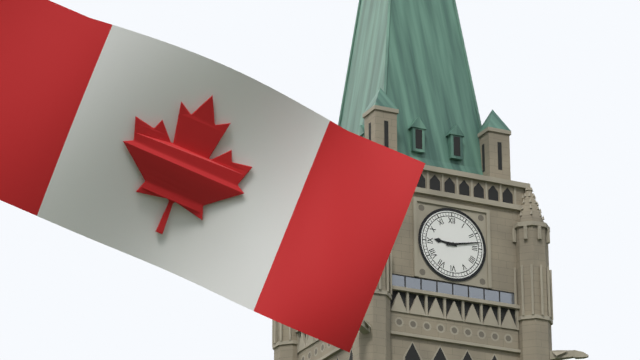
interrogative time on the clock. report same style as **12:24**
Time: **9:13**
